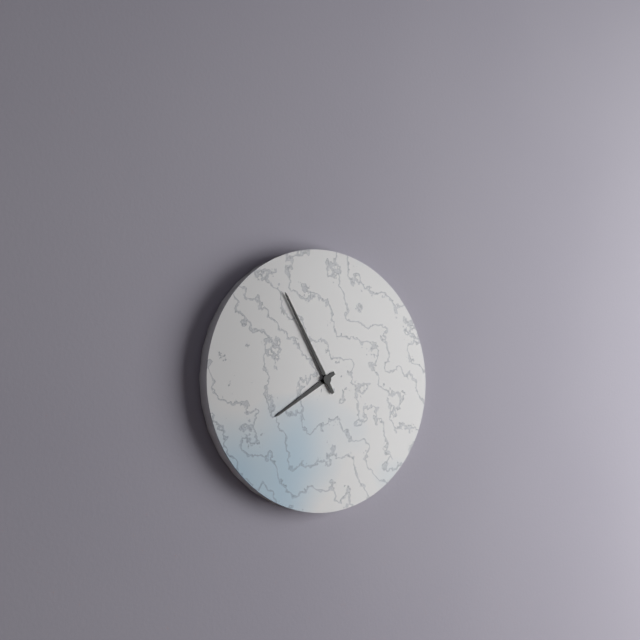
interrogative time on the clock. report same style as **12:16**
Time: **7:55**
